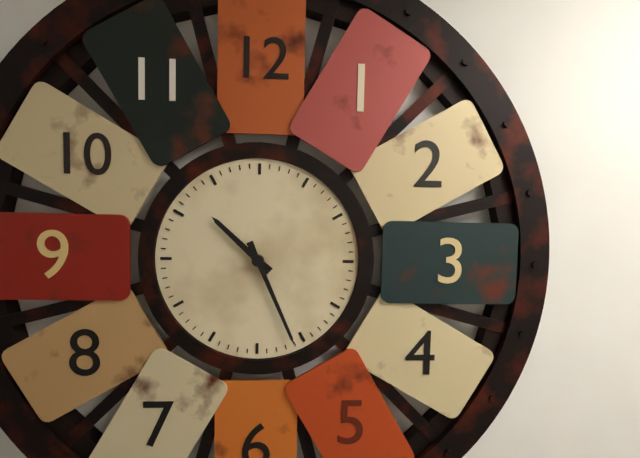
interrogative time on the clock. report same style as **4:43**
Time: **10:26**
